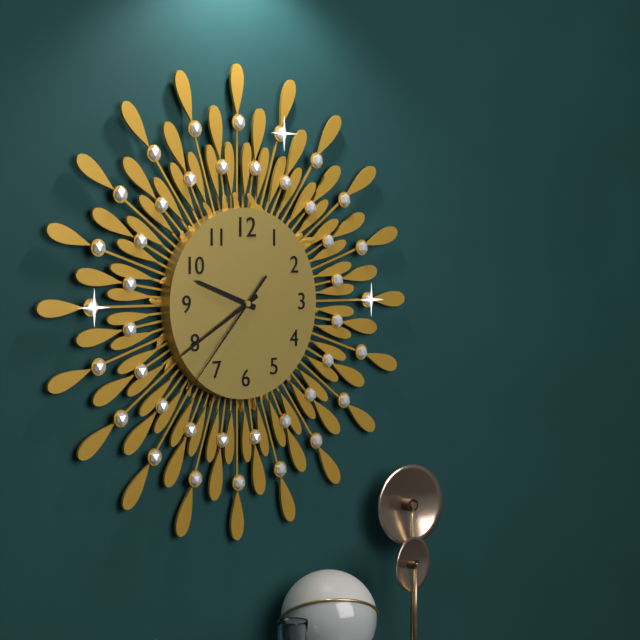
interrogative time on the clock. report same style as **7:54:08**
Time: **9:40:37**
